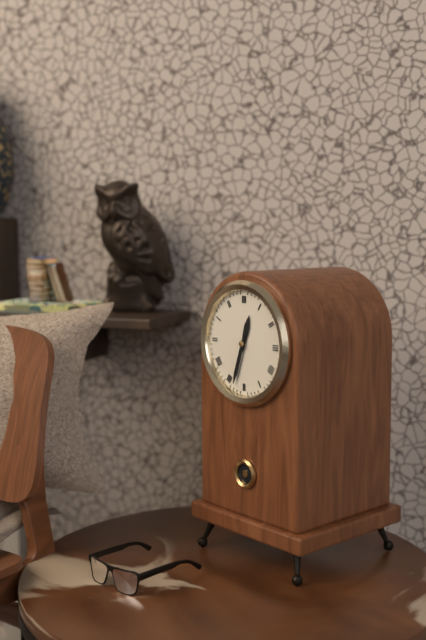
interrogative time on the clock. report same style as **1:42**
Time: **12:33**
